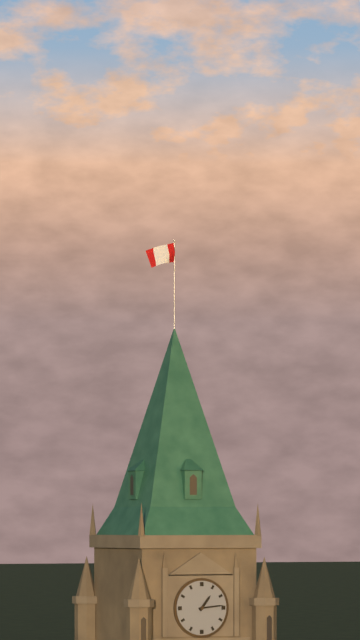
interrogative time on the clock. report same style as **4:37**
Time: **1:14**
